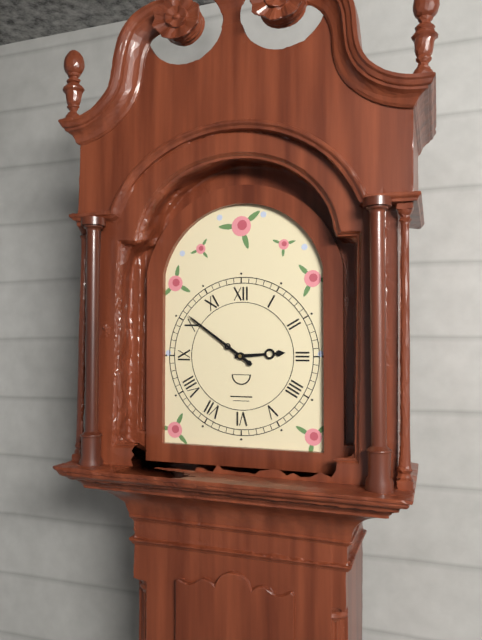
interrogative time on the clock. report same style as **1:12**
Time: **2:51**
